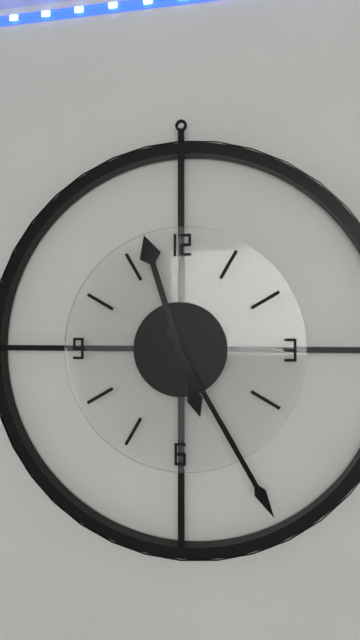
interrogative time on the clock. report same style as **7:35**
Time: **11:25**
